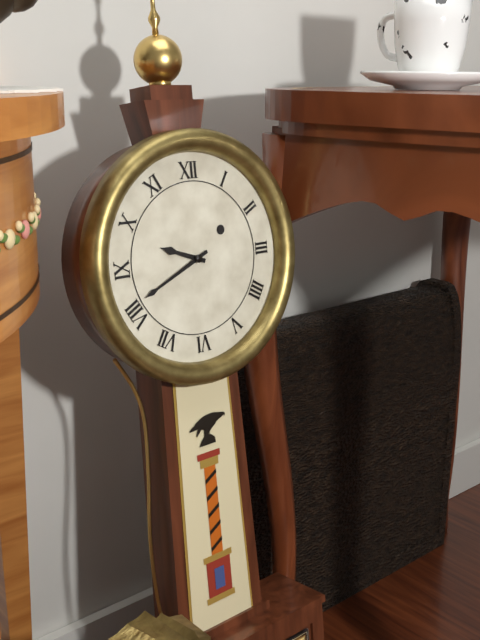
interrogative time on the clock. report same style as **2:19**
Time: **9:41**
